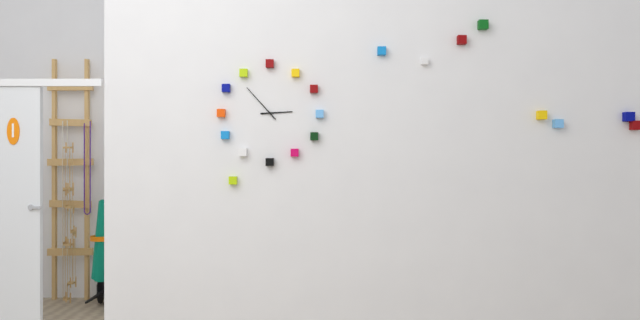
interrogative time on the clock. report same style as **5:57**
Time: **2:53**
